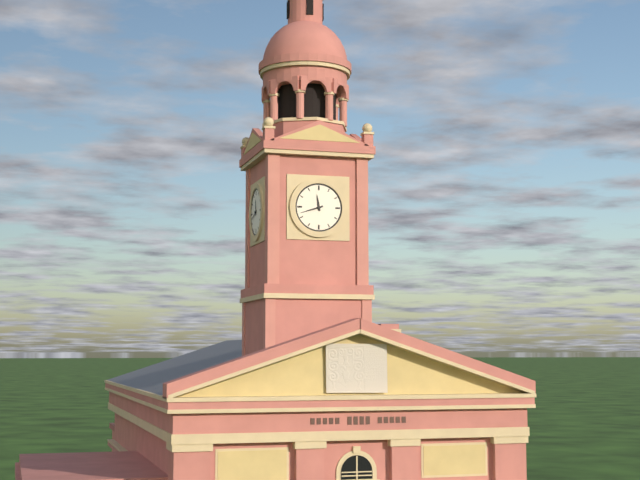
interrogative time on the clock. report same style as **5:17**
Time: **11:42**
